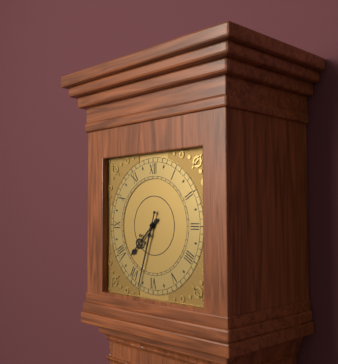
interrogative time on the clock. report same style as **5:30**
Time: **7:33**
